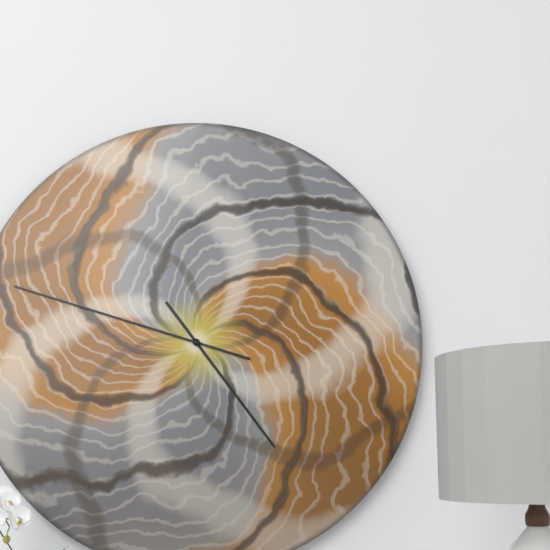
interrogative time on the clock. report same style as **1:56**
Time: **4:48**
